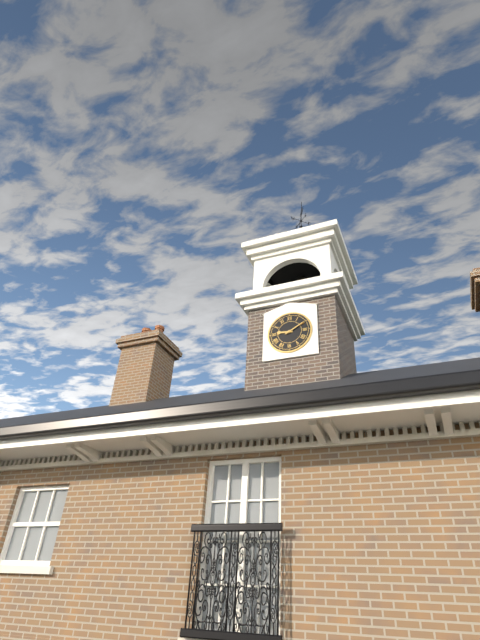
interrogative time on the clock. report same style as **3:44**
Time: **9:10**
